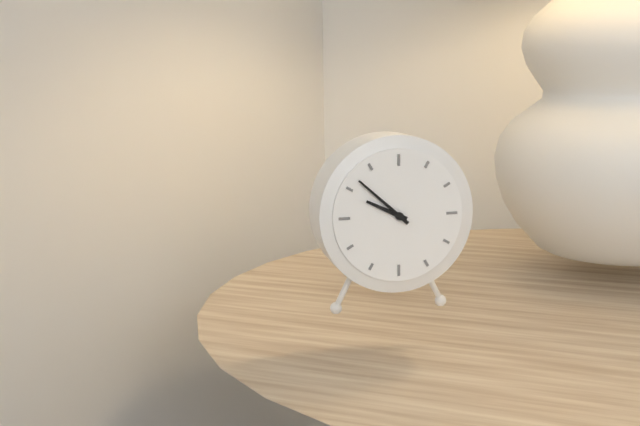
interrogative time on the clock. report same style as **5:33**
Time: **9:52**
